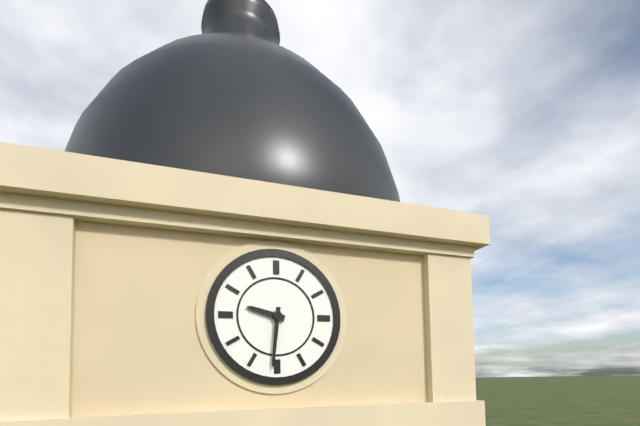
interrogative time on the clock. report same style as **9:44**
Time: **9:31**
